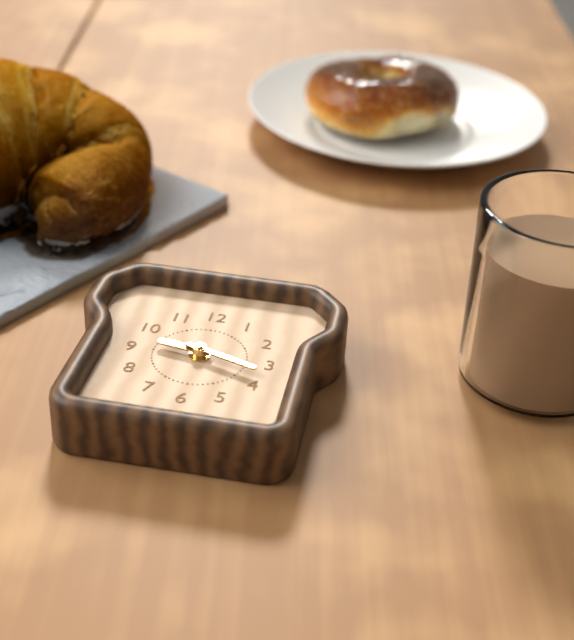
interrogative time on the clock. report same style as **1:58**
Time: **9:18**
